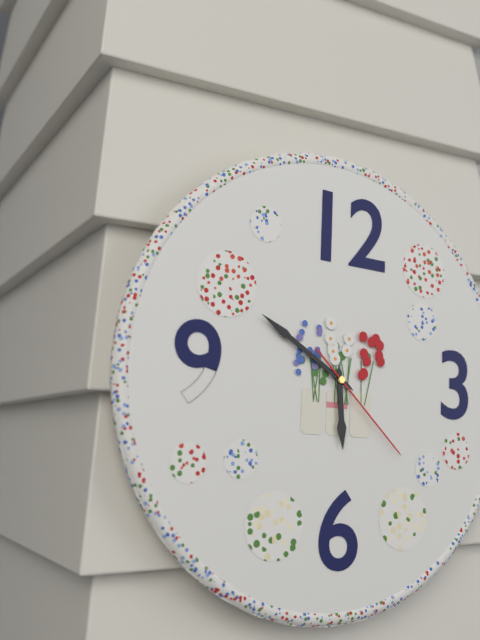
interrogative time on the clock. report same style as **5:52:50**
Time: **5:50:22**
